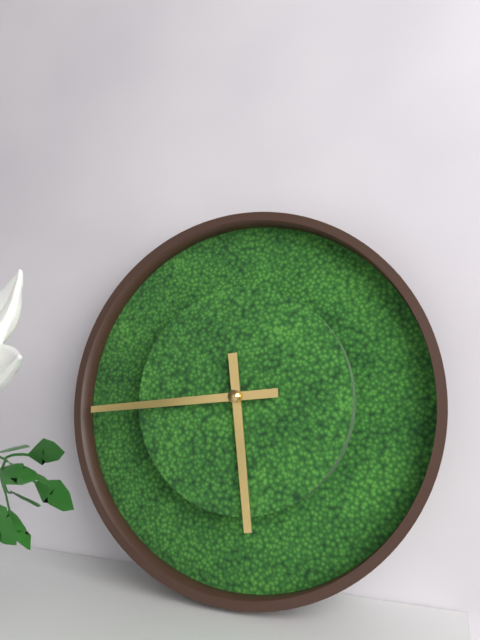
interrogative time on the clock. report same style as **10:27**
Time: **5:44**
